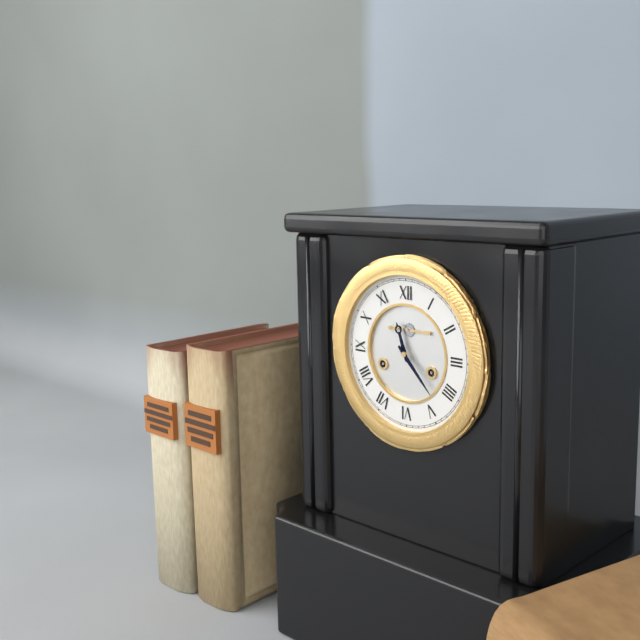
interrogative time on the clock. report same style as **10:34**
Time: **11:23**
